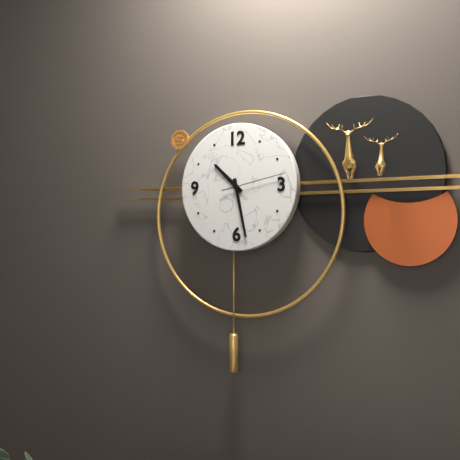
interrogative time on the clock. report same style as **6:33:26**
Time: **10:28:13**
